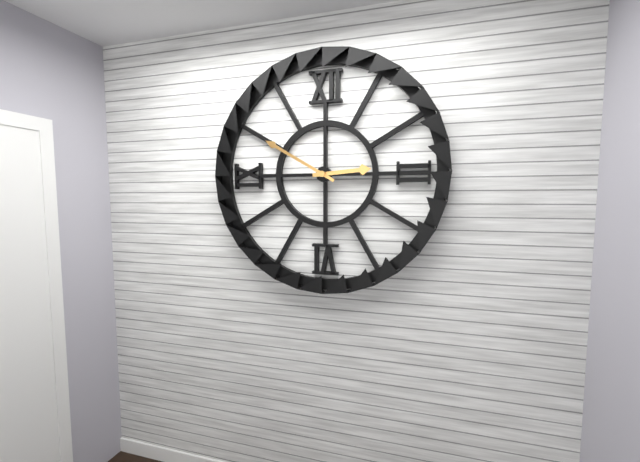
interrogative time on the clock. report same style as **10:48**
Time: **2:50**
